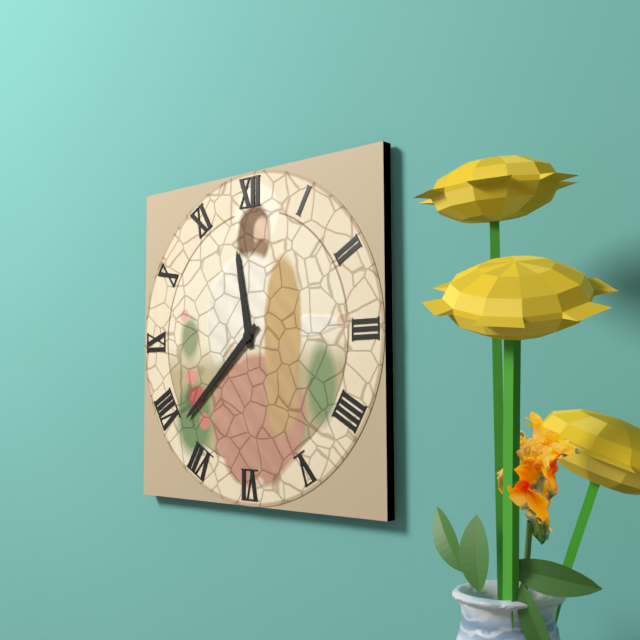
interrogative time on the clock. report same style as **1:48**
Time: **11:38**
